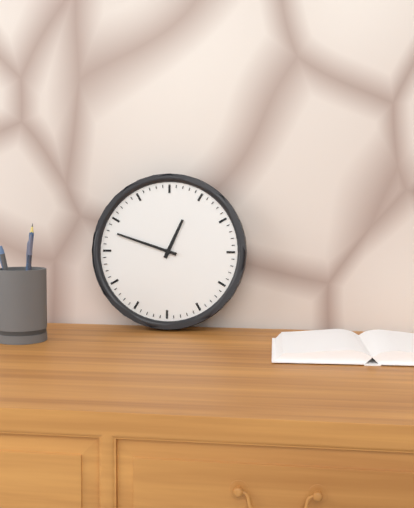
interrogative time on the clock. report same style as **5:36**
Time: **12:48**
